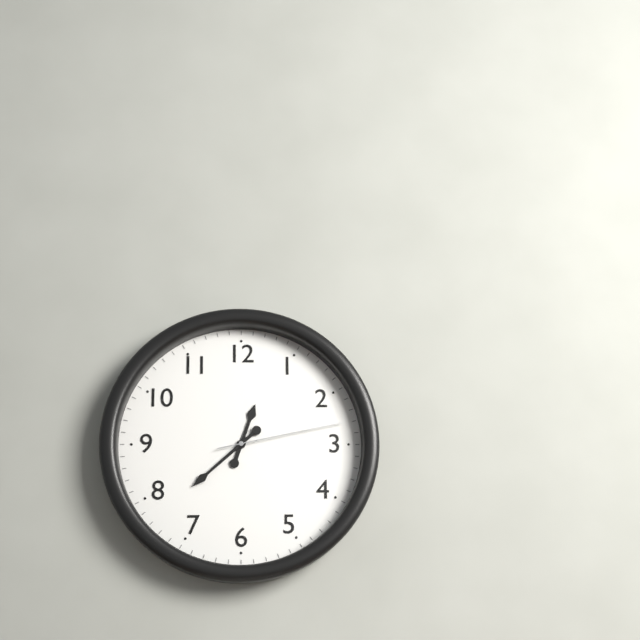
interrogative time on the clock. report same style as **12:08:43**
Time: **12:38:13**
